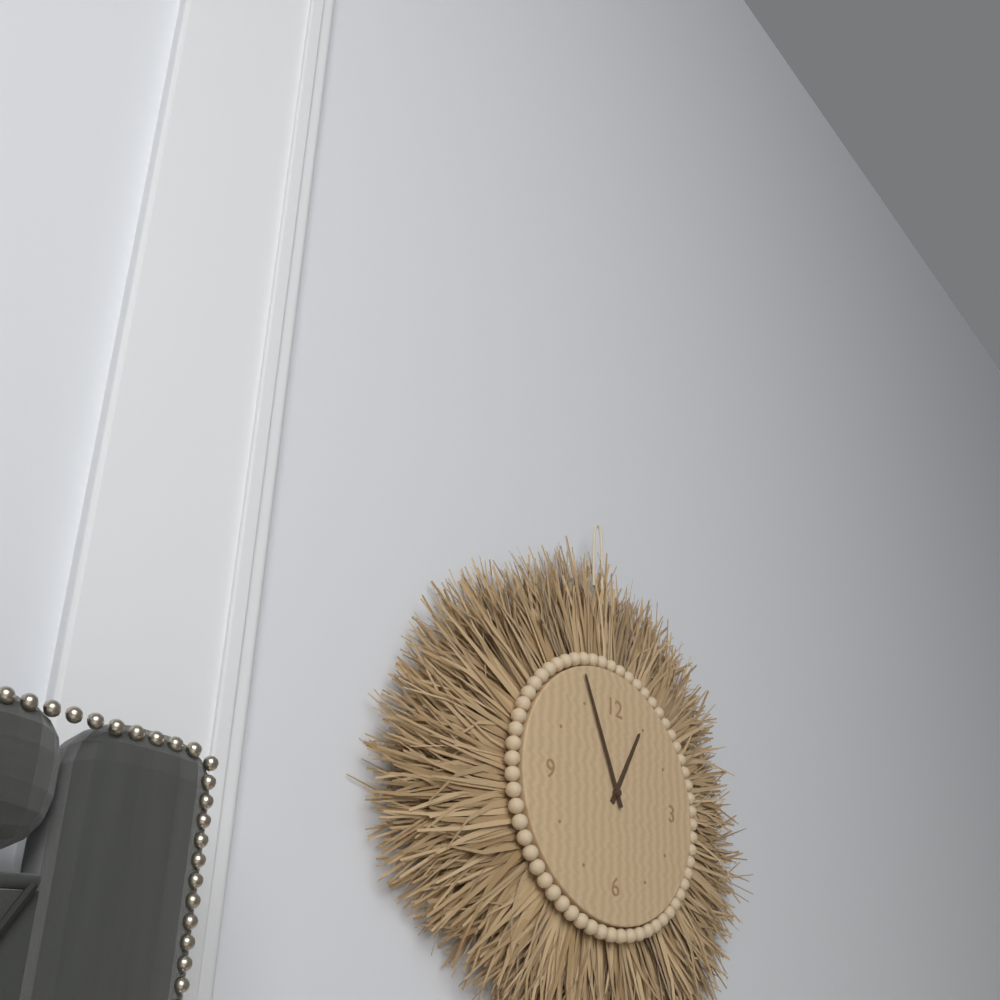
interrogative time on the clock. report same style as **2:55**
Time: **12:56**
